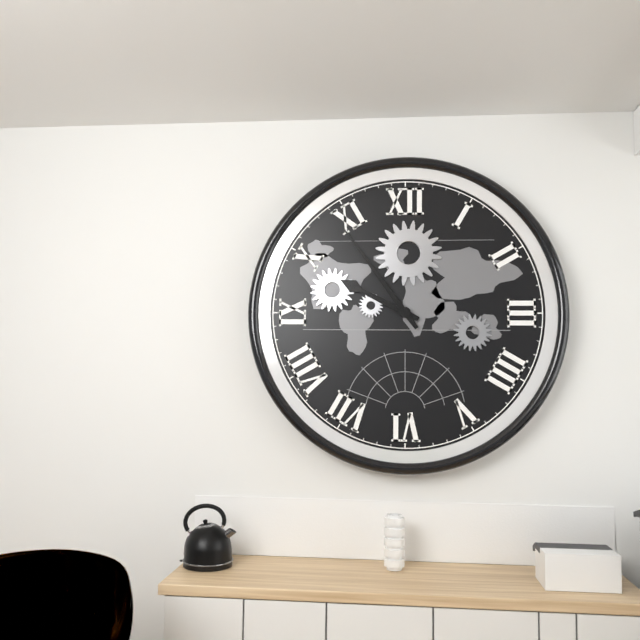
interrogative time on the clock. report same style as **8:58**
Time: **9:54**
